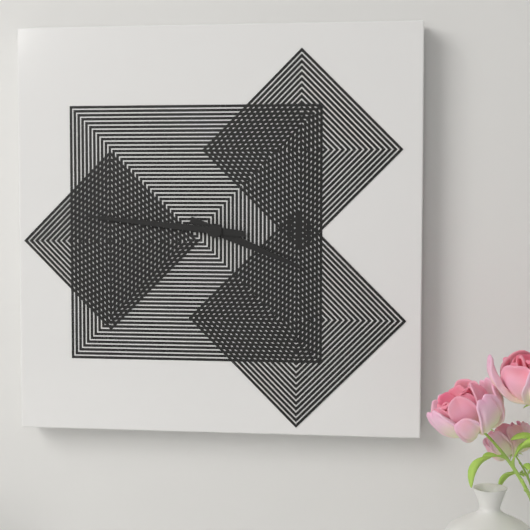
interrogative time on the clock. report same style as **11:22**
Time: **3:46**
